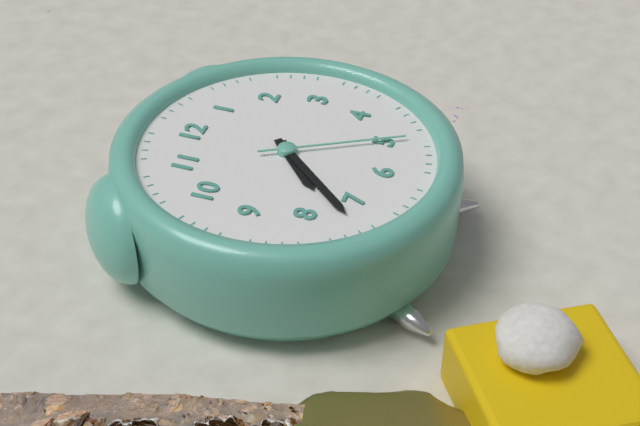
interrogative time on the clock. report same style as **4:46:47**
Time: **7:37:25**
